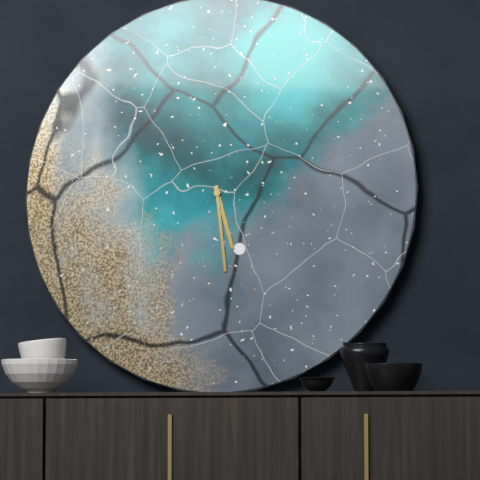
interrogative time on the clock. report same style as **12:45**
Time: **5:29**
